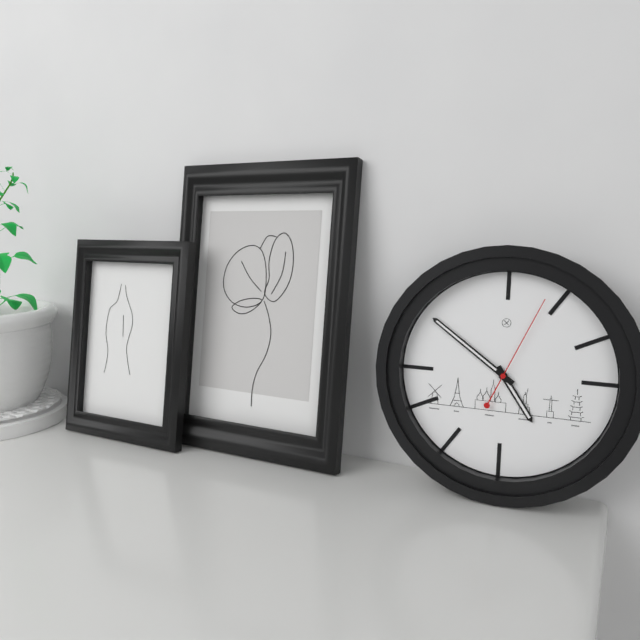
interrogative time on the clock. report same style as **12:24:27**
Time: **4:51:04**
